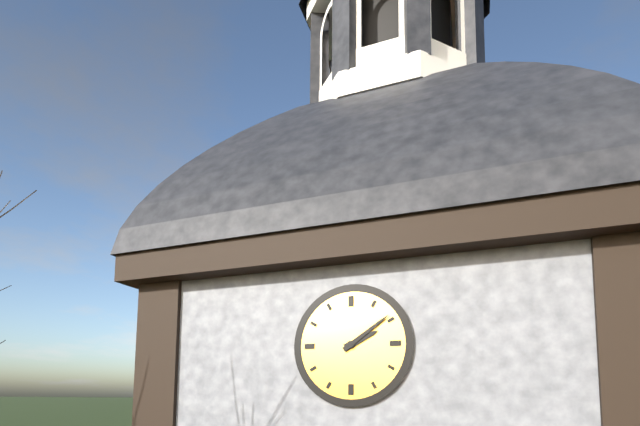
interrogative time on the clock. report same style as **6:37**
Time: **2:09**
